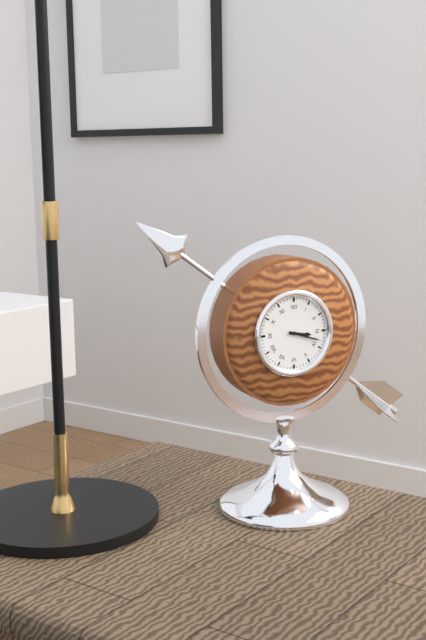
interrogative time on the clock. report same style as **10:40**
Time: **3:18**
